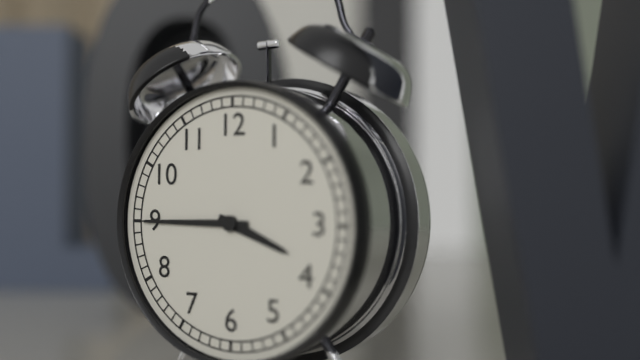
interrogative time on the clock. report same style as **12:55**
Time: **3:45**
